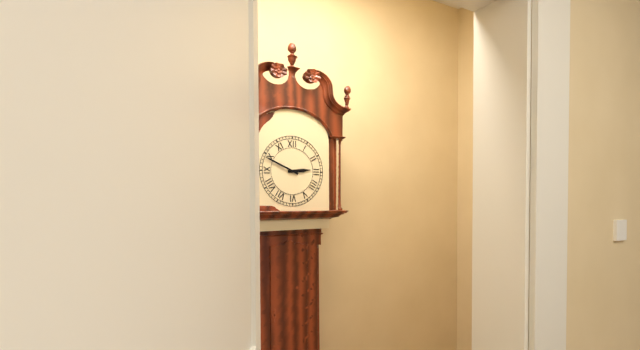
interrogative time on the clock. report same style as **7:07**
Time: **2:49**
